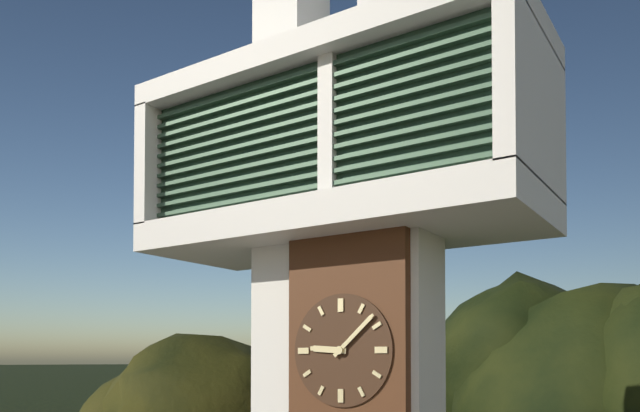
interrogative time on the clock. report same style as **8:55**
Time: **9:08**
